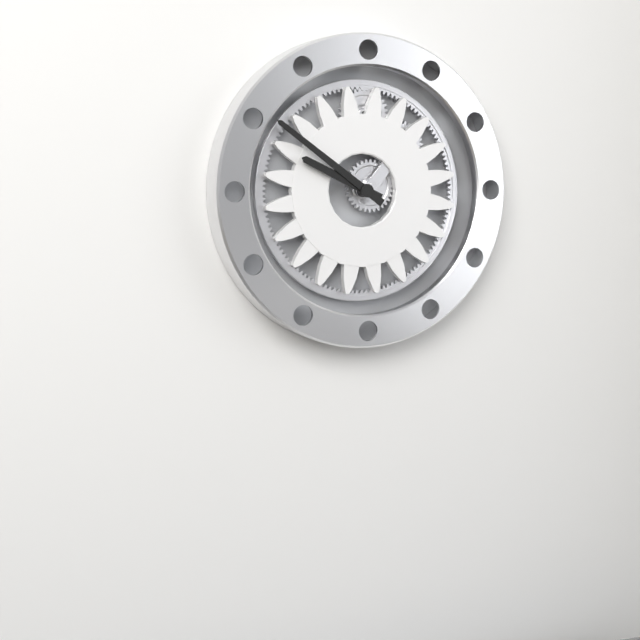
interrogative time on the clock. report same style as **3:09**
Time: **9:51**
